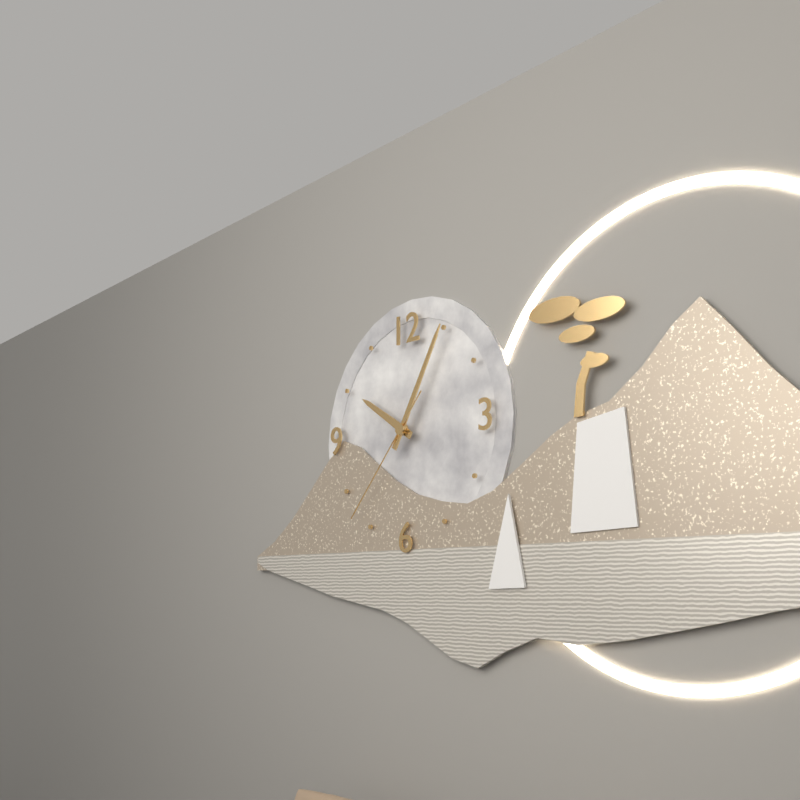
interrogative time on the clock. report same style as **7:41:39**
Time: **10:05:37**
